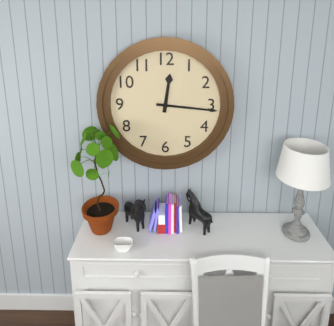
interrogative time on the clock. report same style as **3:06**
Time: **12:16**
